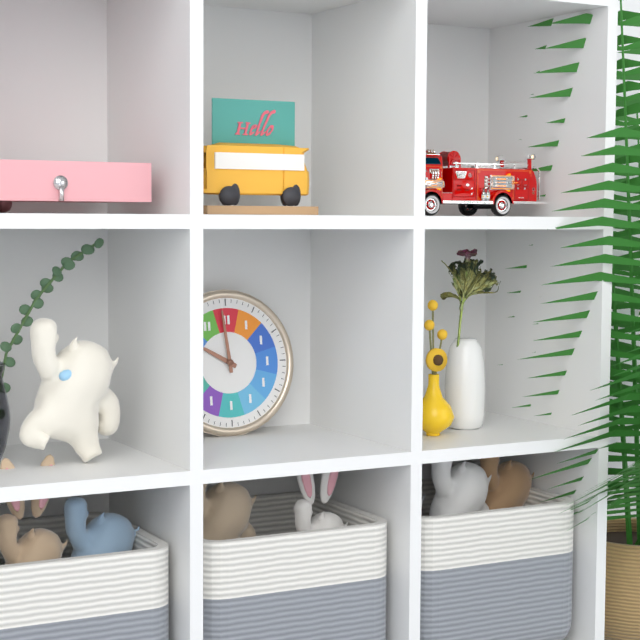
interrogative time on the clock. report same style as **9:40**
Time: **9:59**
